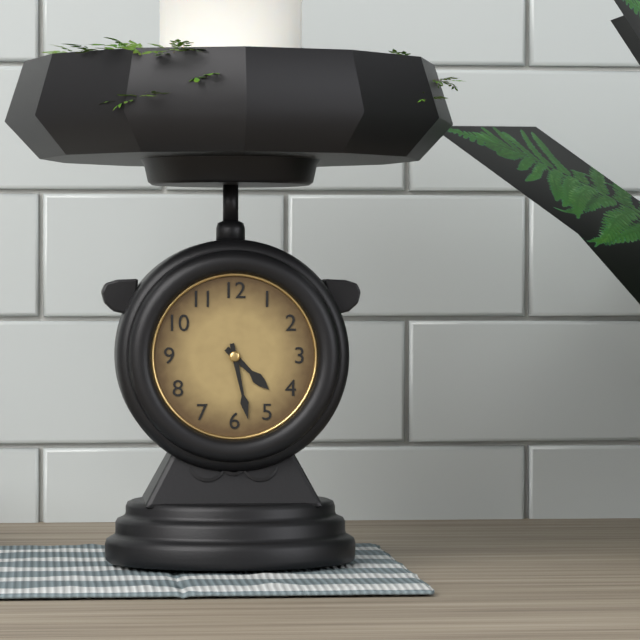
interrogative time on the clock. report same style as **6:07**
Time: **4:28**
